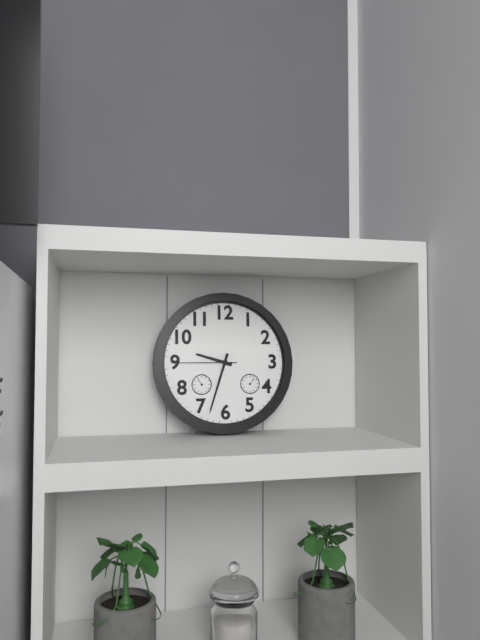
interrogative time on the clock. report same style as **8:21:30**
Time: **9:33:45**
